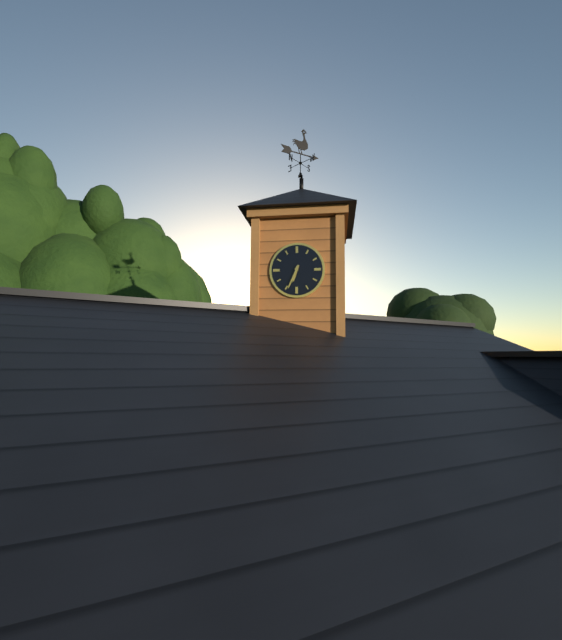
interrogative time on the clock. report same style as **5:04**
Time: **6:34**
